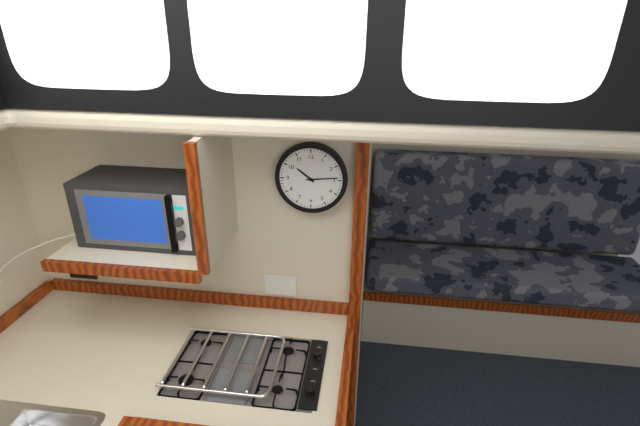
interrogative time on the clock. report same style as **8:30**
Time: **10:14**
